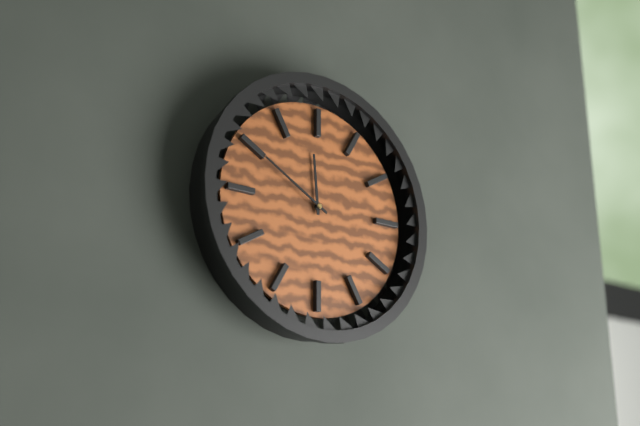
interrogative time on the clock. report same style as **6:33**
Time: **11:50**
